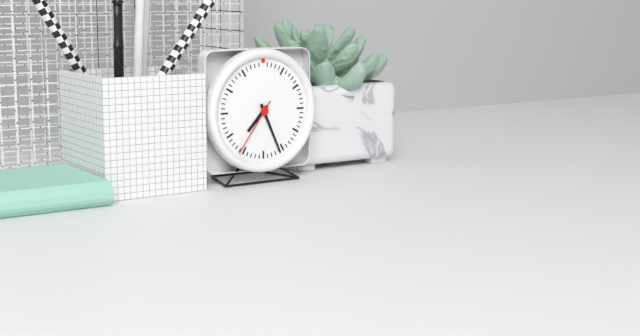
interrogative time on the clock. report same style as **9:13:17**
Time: **7:26:36**
